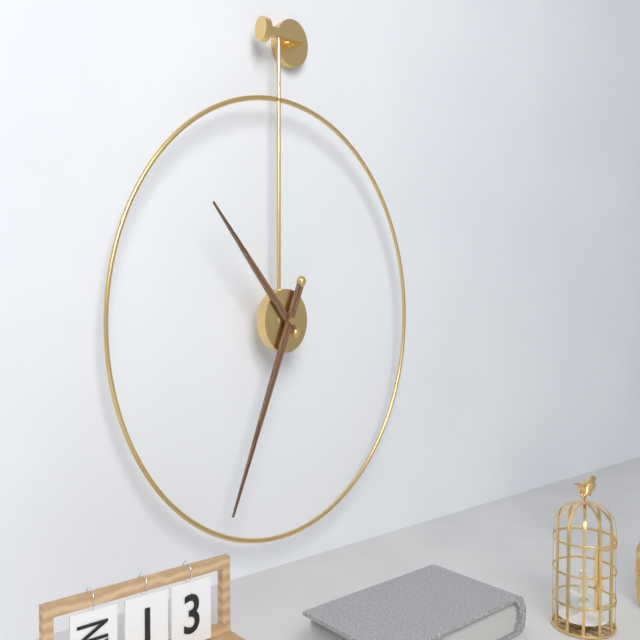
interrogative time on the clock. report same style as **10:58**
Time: **10:34**
